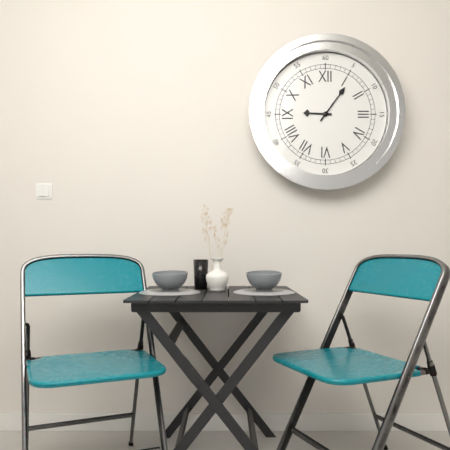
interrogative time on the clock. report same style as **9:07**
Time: **9:06**
